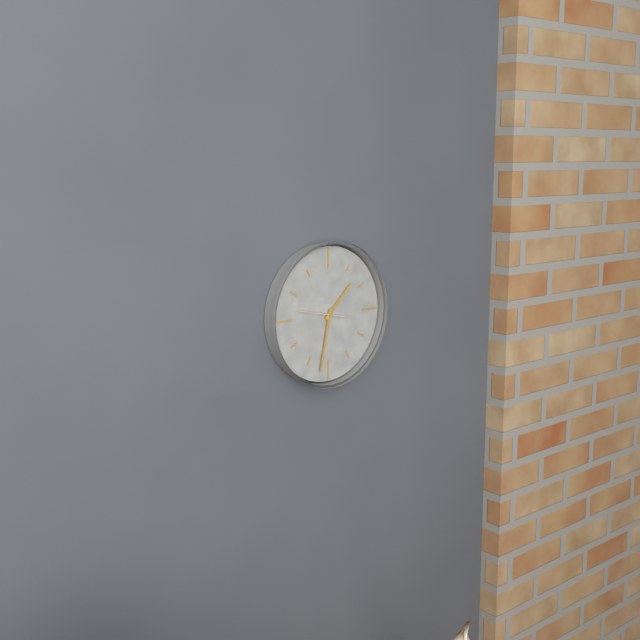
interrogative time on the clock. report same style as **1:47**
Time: **1:32**
